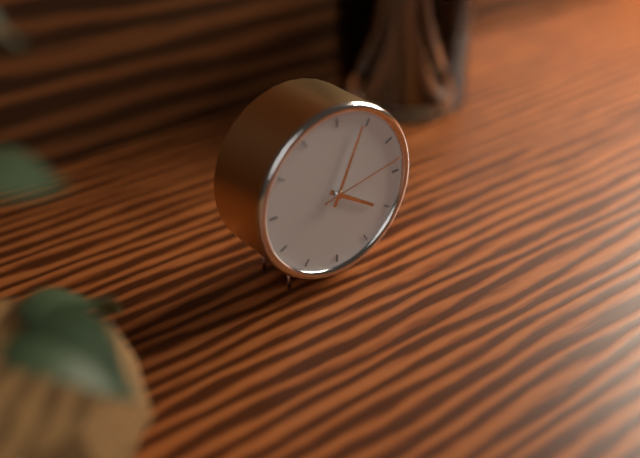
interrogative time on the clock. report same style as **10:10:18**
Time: **4:04:13**
